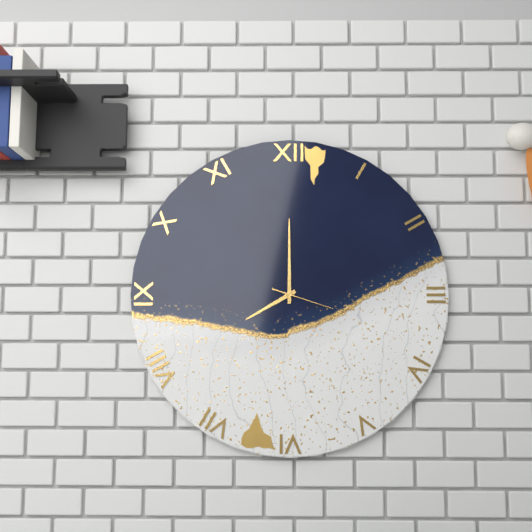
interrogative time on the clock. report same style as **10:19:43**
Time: **8:00:18**
